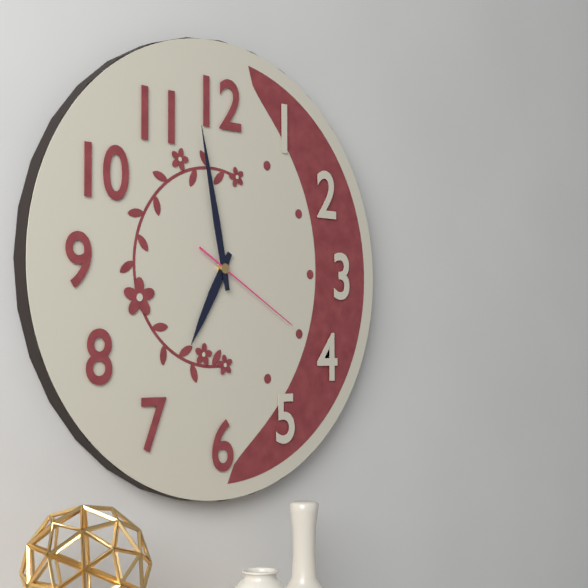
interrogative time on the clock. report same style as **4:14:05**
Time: **6:58:20**
